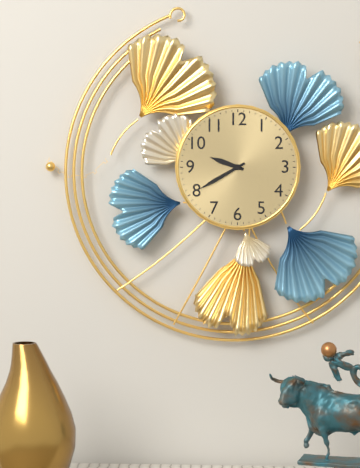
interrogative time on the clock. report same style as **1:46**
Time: **9:40**
